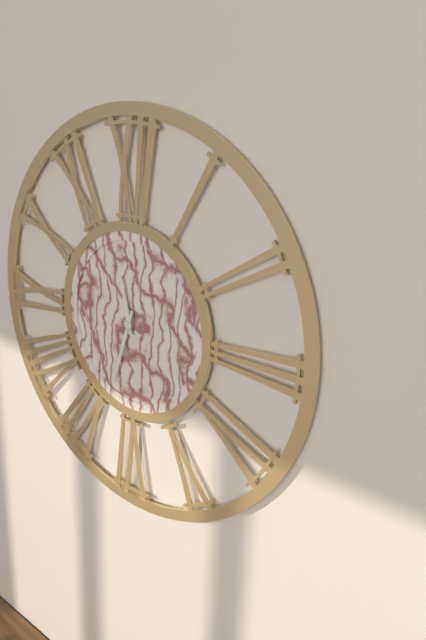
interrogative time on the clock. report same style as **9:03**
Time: **11:33**
